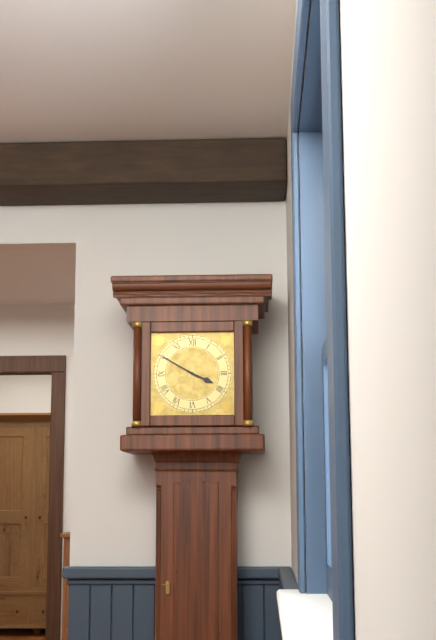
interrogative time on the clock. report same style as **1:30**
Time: **3:50**
